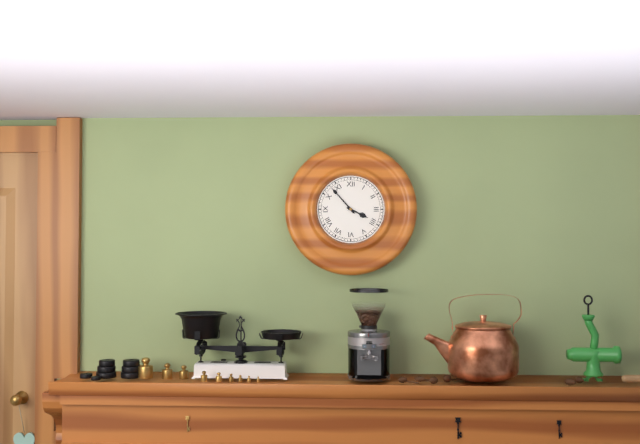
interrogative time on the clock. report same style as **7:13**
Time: **3:53**
